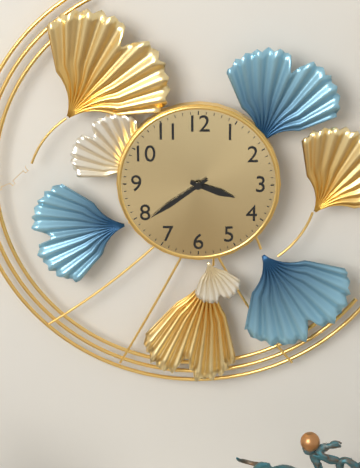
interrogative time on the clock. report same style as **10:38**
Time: **3:39**
